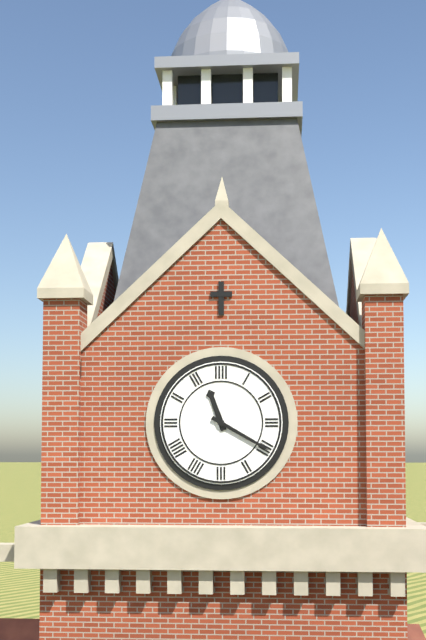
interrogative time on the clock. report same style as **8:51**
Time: **11:20**
